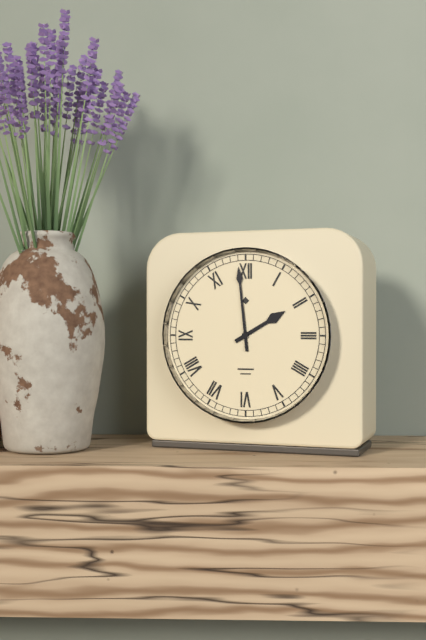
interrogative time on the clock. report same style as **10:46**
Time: **1:59**
